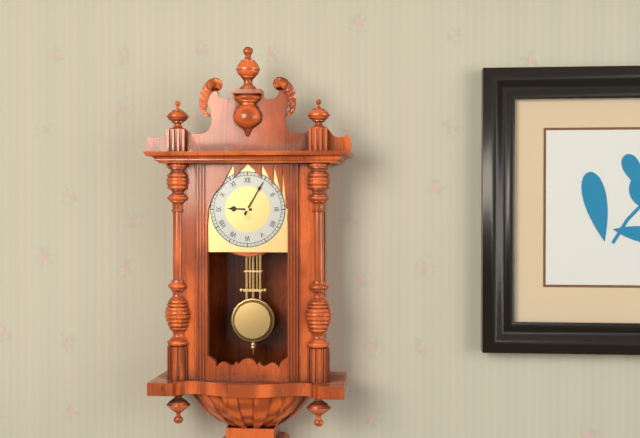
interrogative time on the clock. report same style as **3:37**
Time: **9:05**
